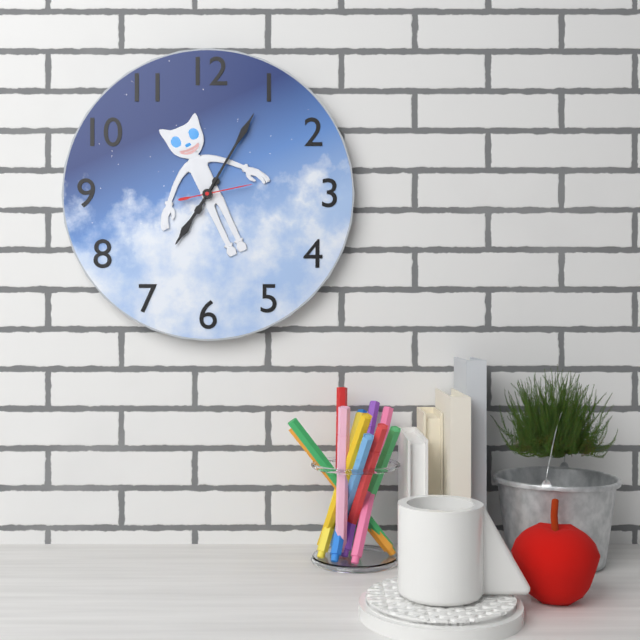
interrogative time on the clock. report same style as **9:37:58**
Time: **7:05:13**
